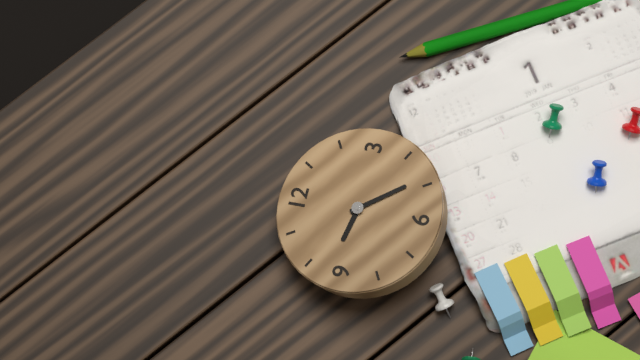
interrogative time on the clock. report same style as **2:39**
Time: **9:24**
